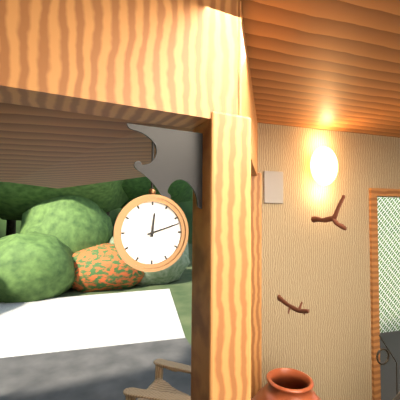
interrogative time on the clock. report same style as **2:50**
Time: **12:12**
